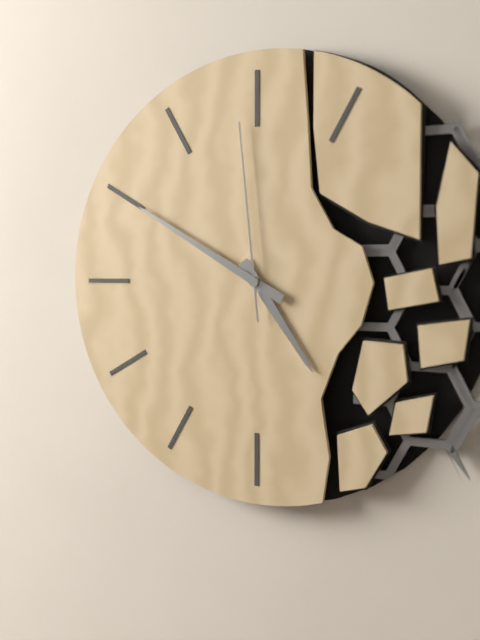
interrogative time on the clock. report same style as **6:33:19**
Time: **4:50:59**
